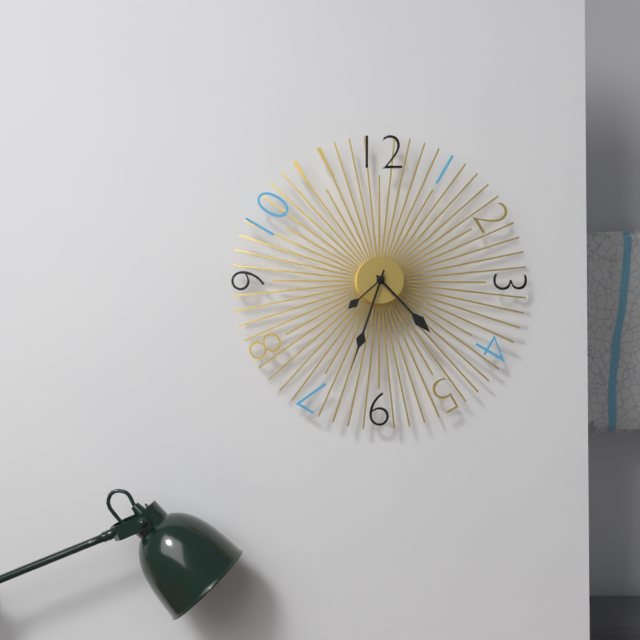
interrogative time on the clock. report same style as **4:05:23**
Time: **4:33:38**
